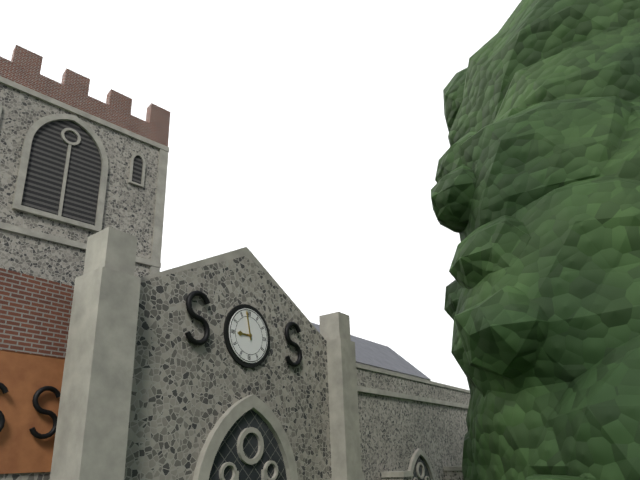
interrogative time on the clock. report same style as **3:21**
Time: **8:58**
